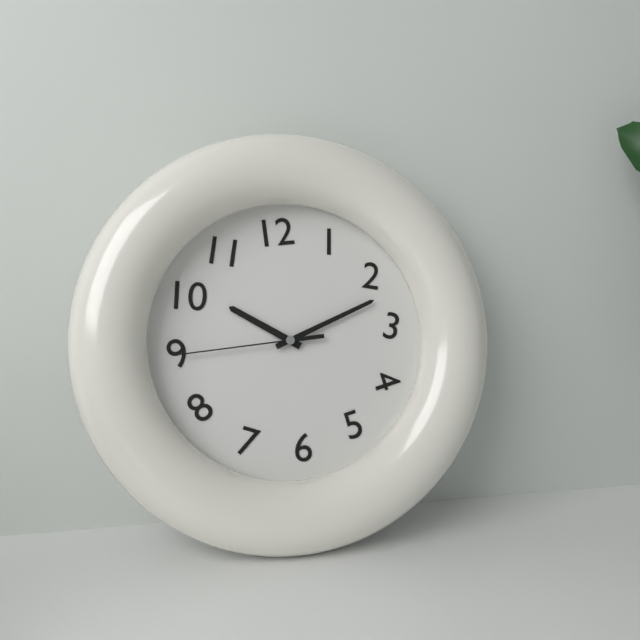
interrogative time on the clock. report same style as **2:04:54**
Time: **10:12:45**
